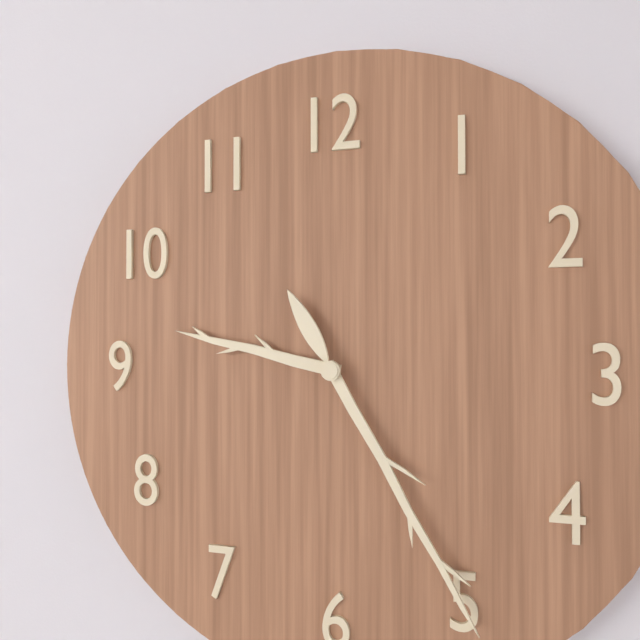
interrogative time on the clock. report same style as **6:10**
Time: **9:25**
